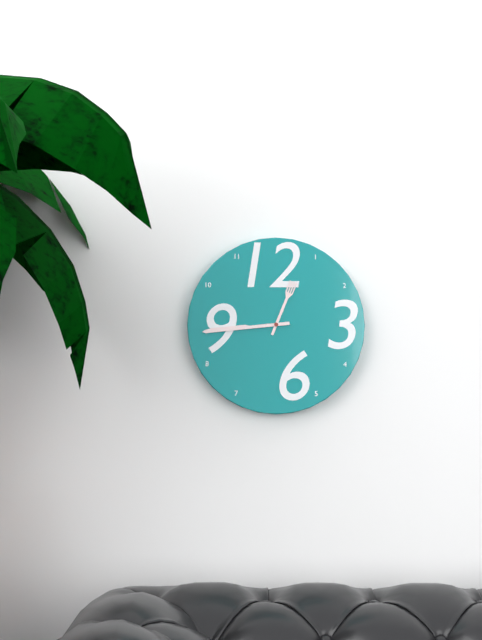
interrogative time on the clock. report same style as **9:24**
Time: **12:44**
